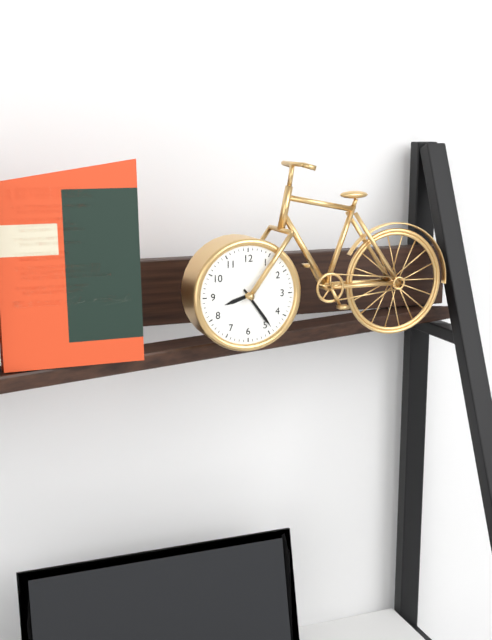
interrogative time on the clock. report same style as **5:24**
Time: **8:24**
